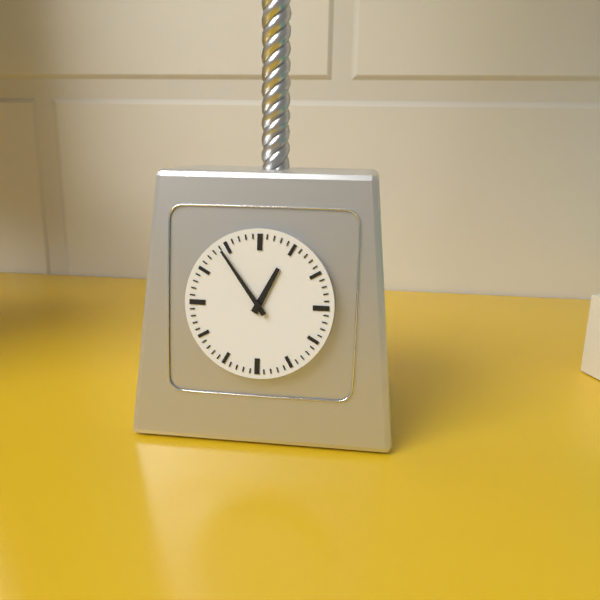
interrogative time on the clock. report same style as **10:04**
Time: **12:54**
